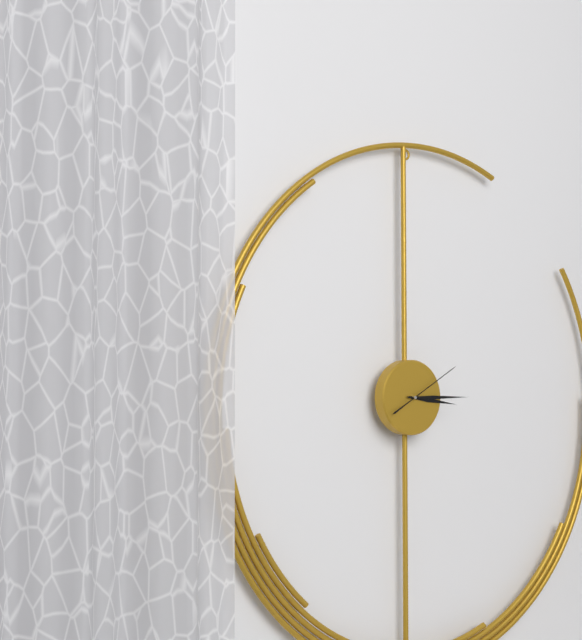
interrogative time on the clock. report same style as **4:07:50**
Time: **3:15:10**
